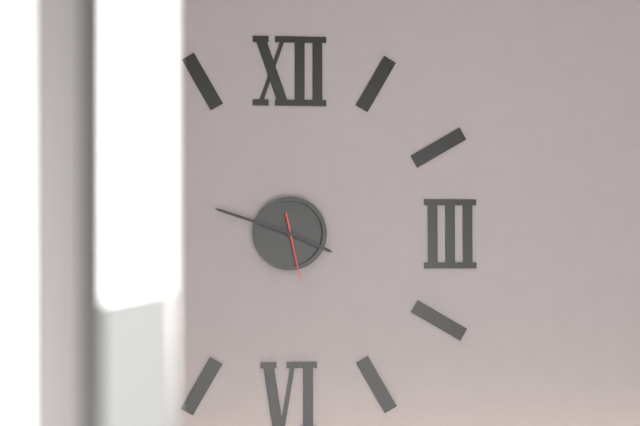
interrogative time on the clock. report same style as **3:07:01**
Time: **3:48:28**
